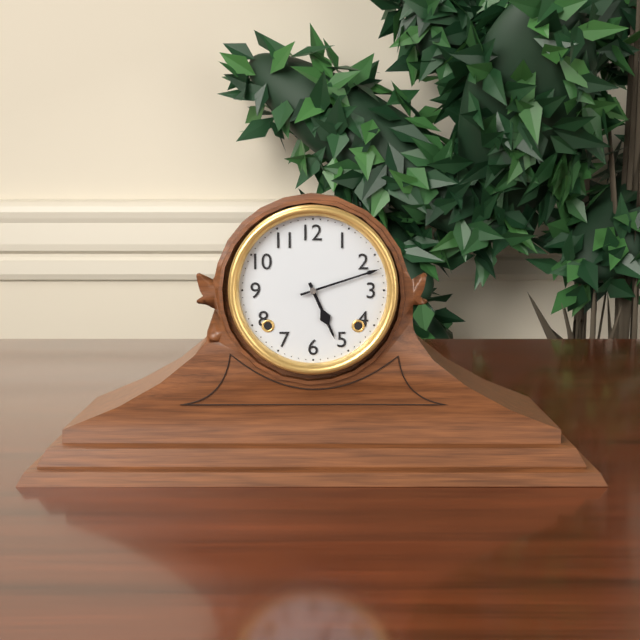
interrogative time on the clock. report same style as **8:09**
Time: **5:12**
